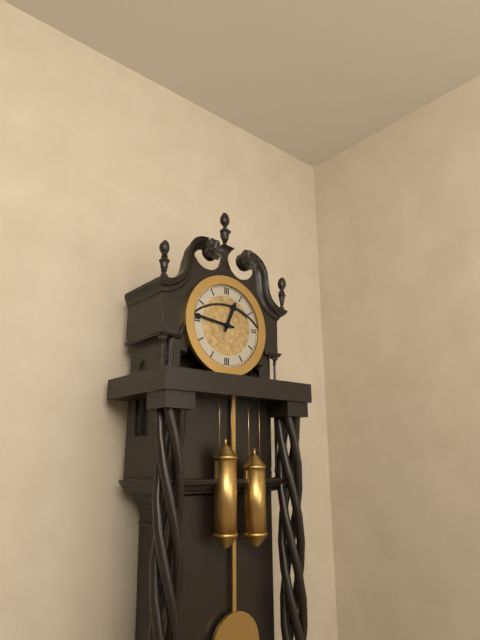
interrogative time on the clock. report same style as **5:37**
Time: **12:46**
